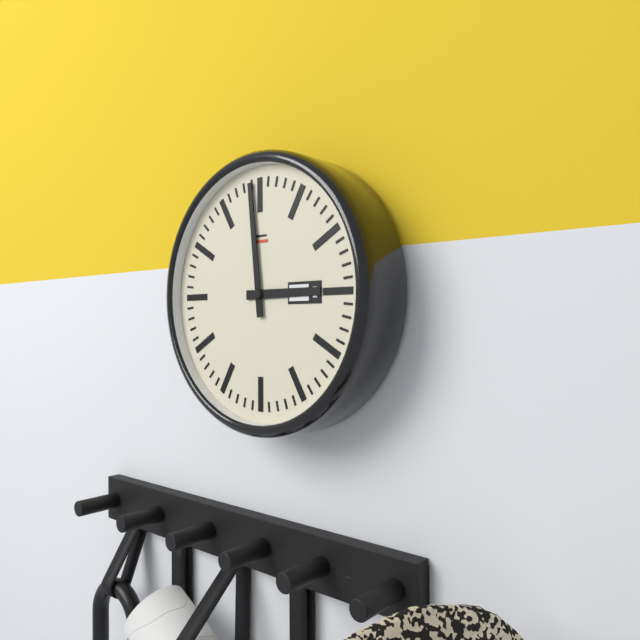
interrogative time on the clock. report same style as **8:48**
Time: **2:59**
